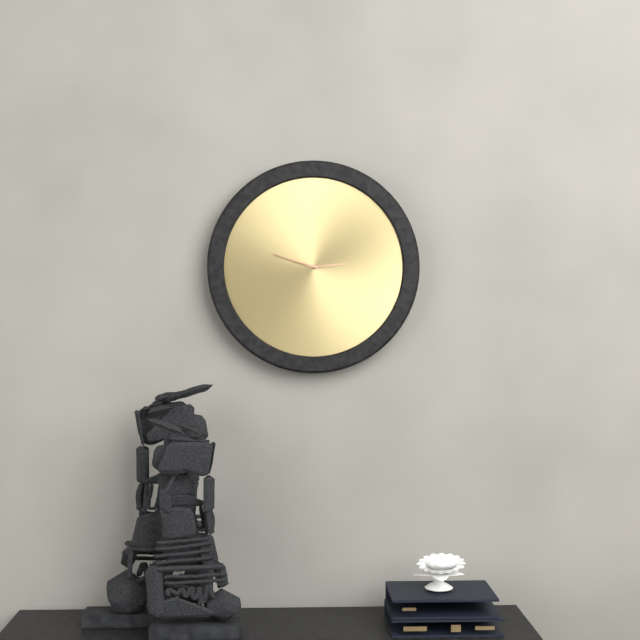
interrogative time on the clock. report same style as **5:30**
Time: **2:48**
